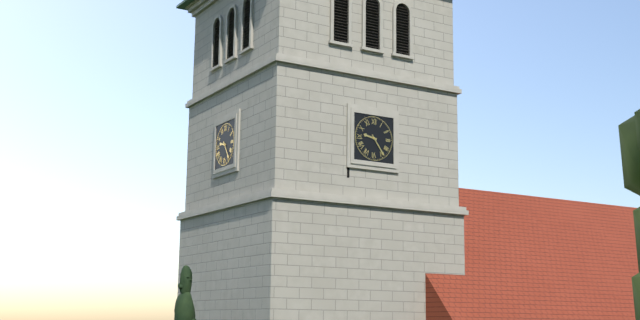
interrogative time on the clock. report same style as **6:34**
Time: **9:24**
